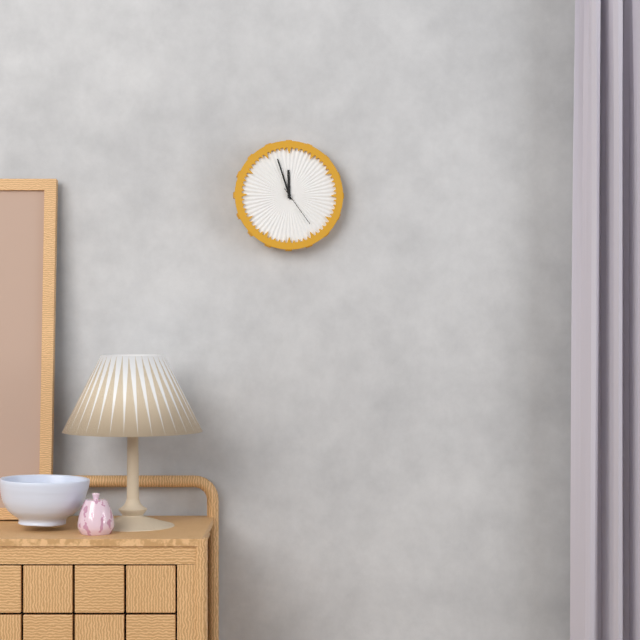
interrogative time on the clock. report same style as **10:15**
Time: **11:57**
